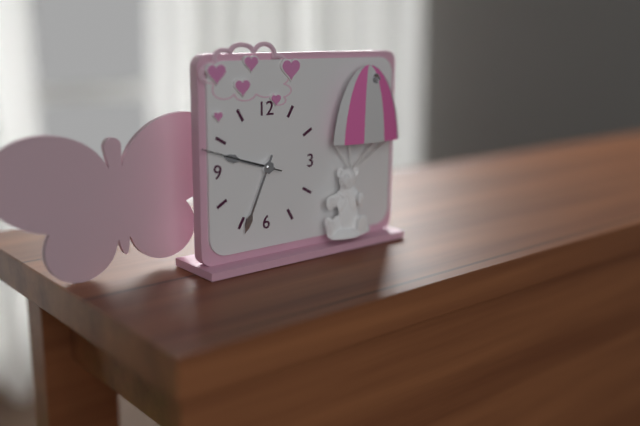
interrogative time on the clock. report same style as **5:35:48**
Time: **9:34:48**
